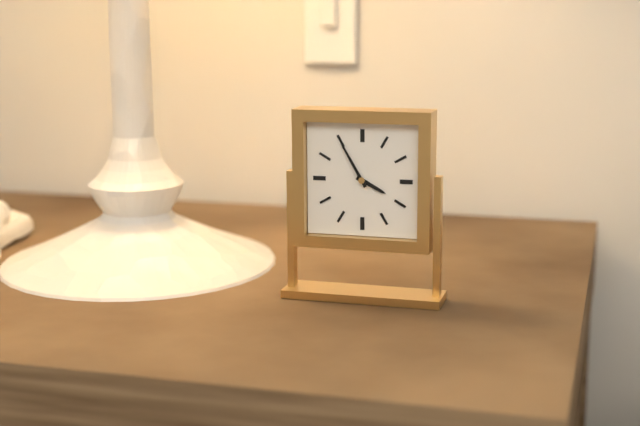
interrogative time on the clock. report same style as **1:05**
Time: **3:55**
